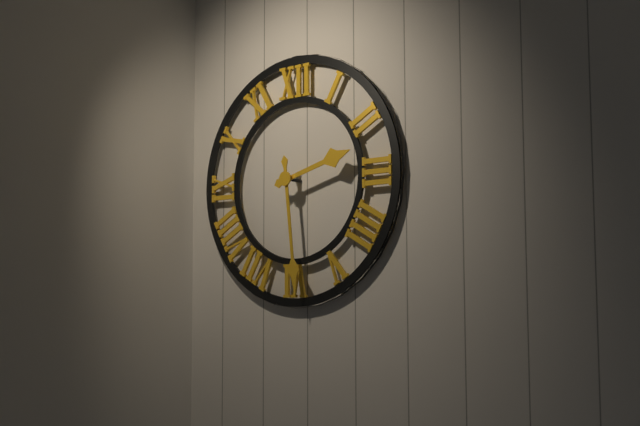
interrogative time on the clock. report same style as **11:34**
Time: **2:29**
